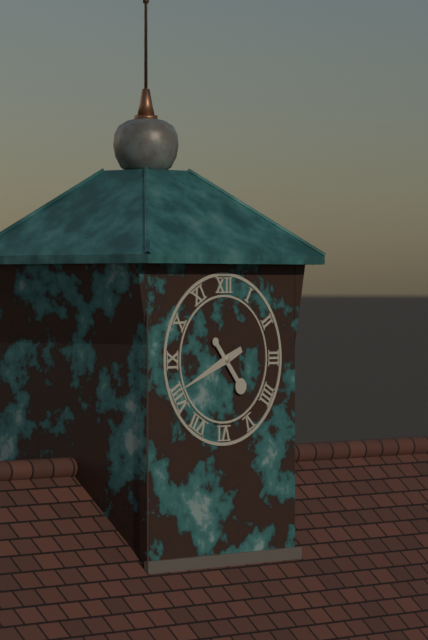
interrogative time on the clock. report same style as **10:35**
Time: **4:41**
